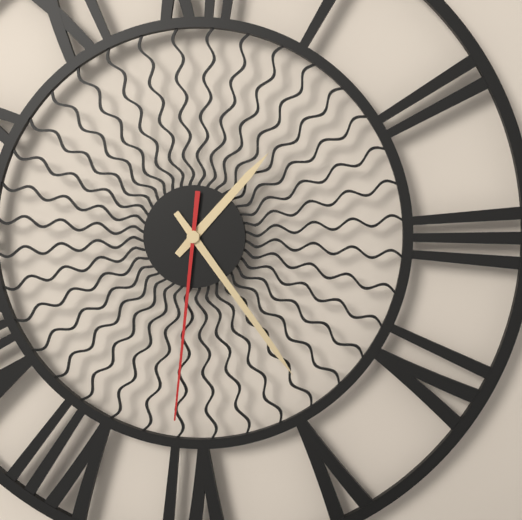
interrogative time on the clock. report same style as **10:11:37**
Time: **1:24:31**
